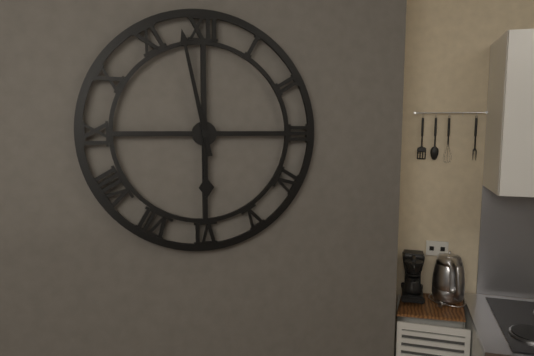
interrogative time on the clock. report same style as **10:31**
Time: **5:58**
